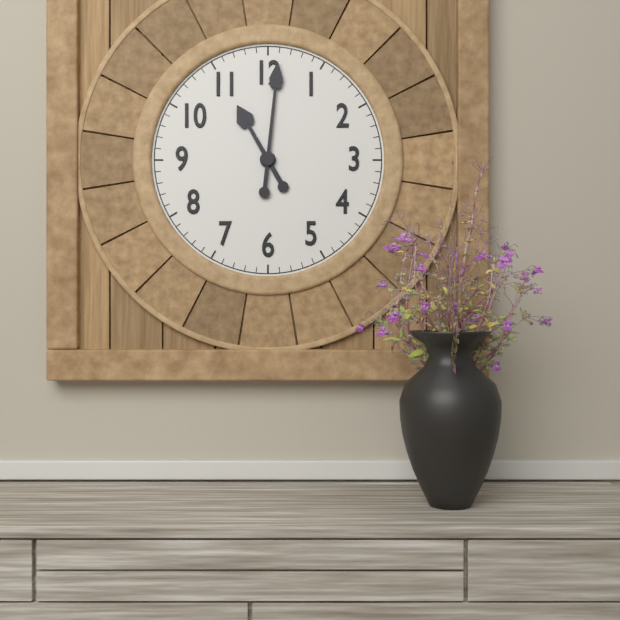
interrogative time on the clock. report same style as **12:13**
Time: **11:01**
